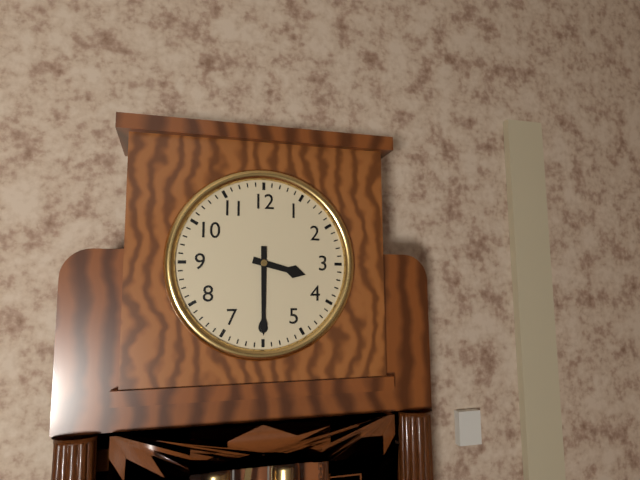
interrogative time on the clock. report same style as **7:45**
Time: **3:30**
